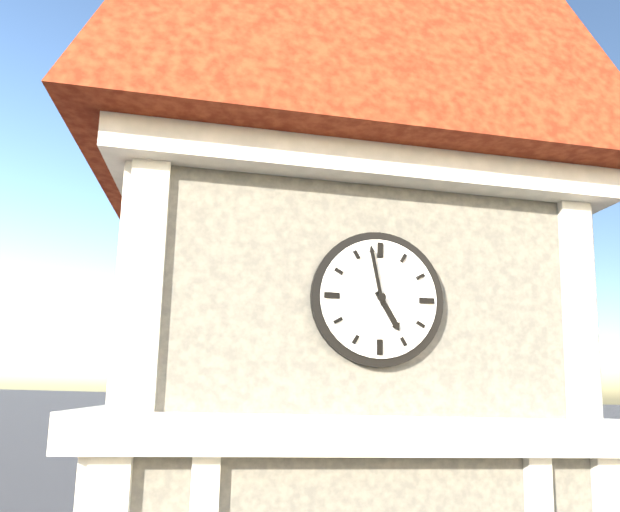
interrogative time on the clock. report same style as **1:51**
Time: **4:58**
